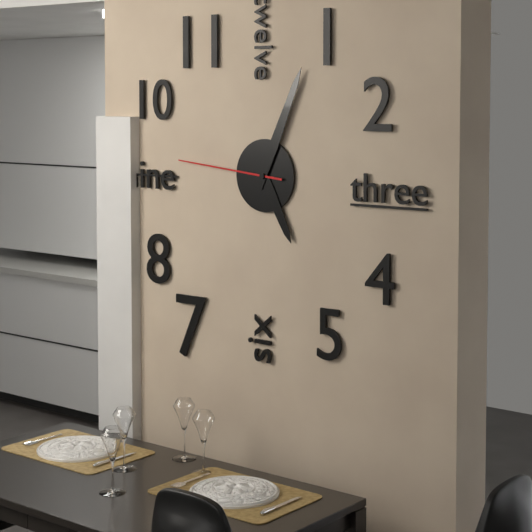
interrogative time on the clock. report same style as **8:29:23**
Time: **5:04:46**
